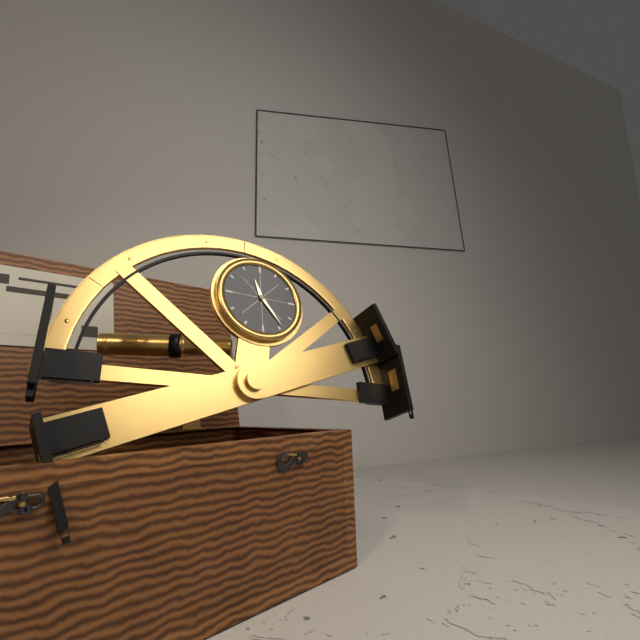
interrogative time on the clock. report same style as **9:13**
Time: **11:24**
